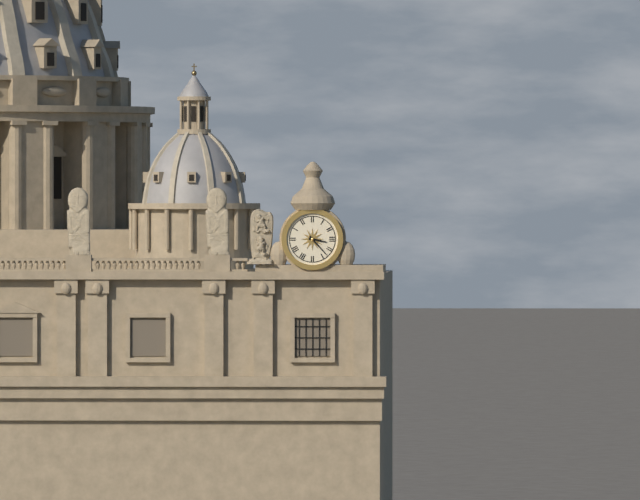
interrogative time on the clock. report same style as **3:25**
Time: **3:23**
